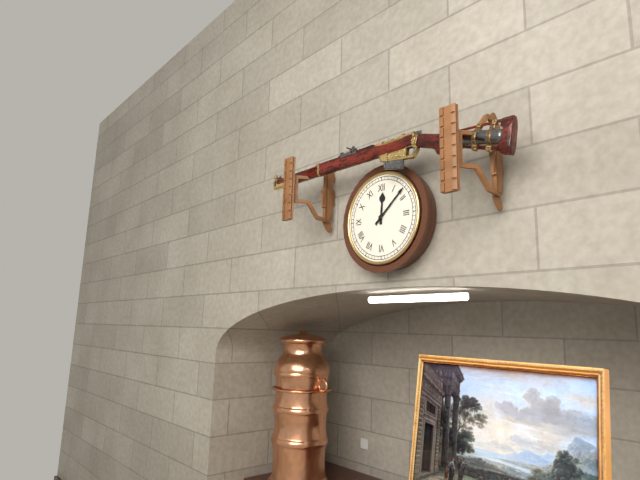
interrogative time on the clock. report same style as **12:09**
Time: **12:08**
